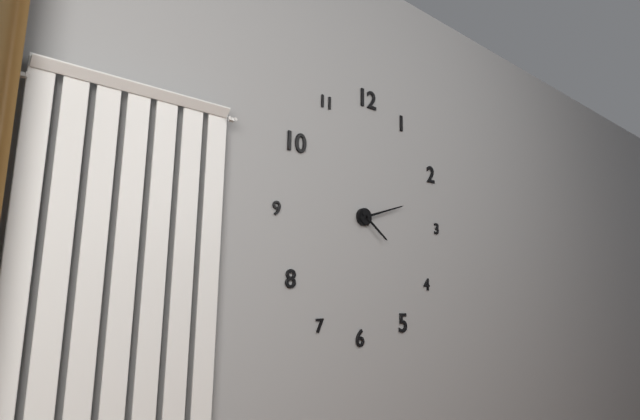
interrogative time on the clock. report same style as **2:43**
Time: **4:12**
